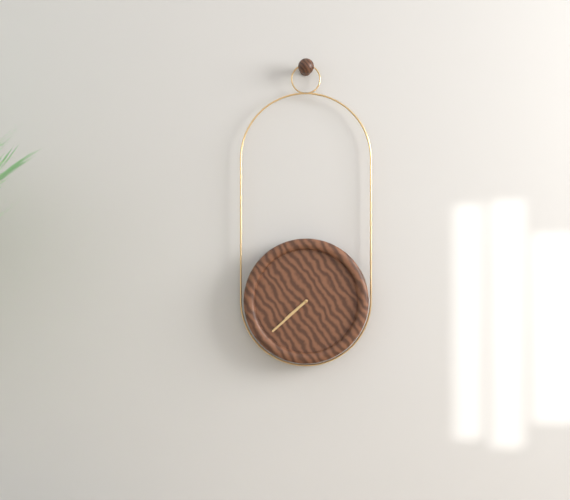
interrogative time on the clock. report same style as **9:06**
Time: **7:38**
